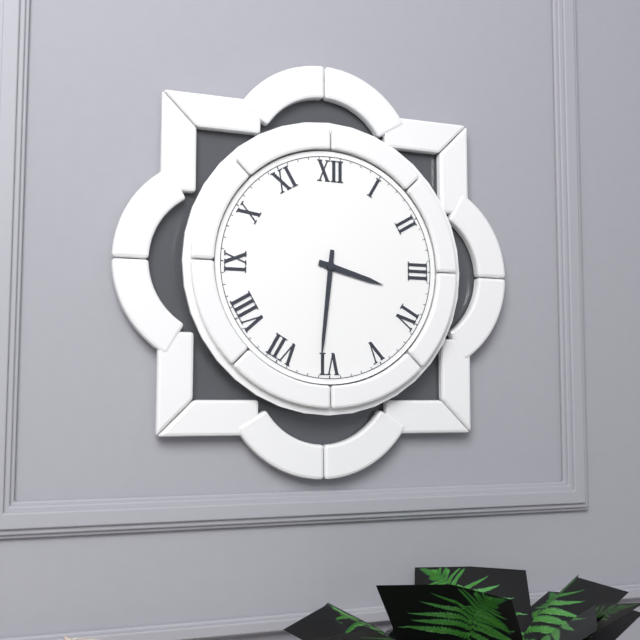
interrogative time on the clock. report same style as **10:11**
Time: **3:31**
